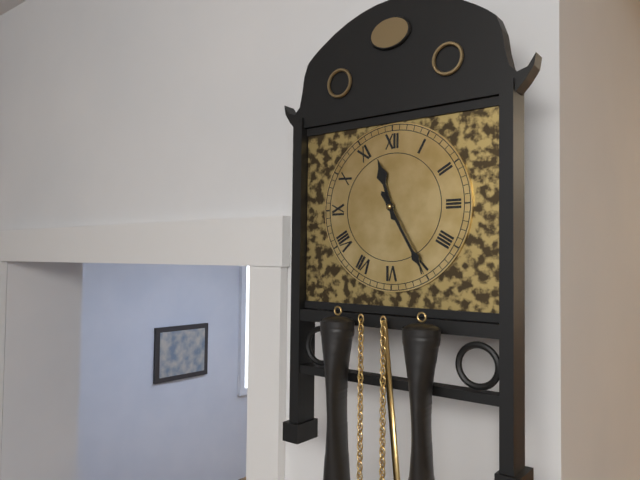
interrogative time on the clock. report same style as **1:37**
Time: **11:25**
